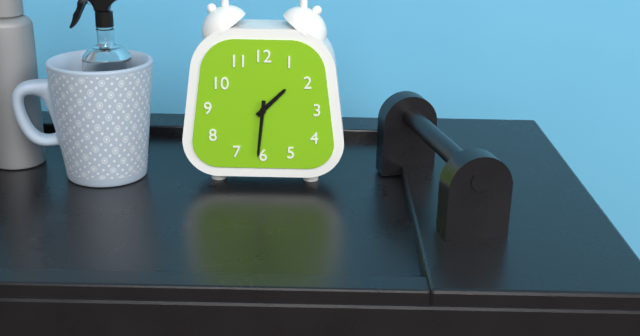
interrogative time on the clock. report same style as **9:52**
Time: **1:31**
